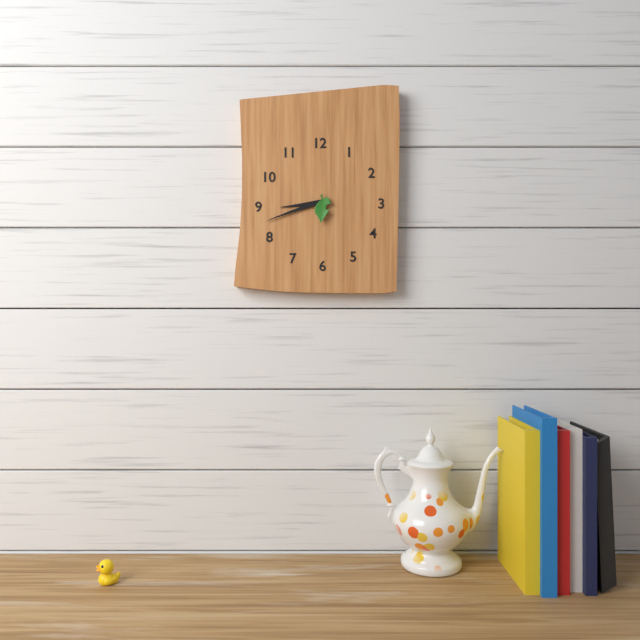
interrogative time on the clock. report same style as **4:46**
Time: **8:42**
